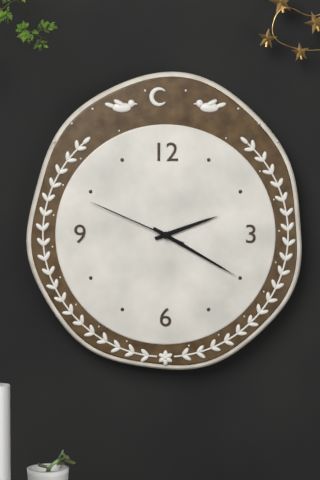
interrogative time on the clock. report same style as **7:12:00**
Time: **2:20:49**
